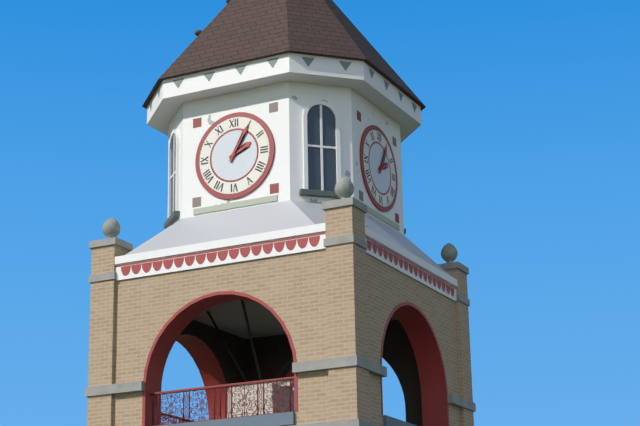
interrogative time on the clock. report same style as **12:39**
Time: **2:05**
